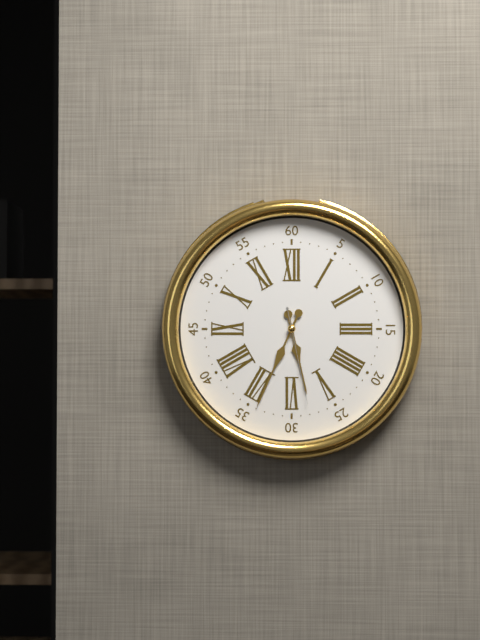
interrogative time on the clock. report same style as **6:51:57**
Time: **5:34:28**
